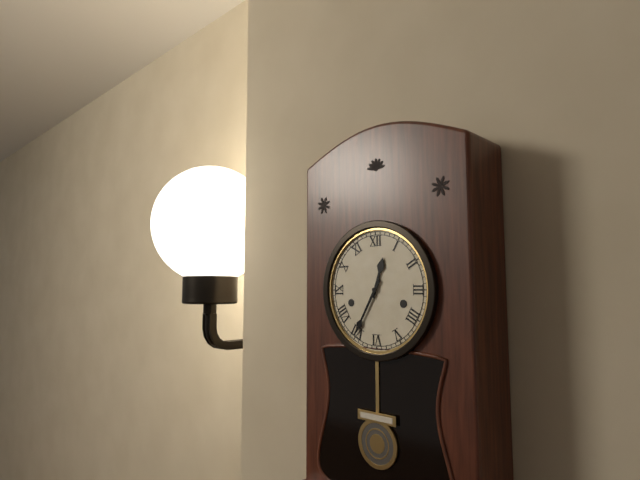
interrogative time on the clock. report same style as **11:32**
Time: **12:35**
